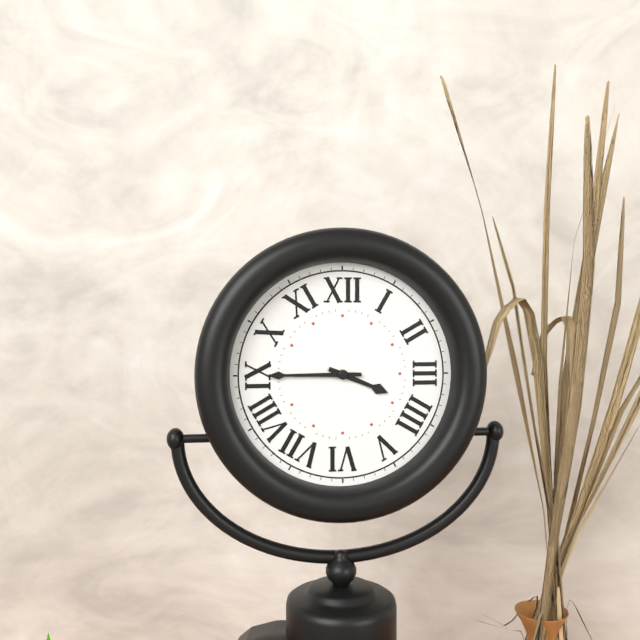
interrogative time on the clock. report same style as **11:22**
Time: **3:45**
